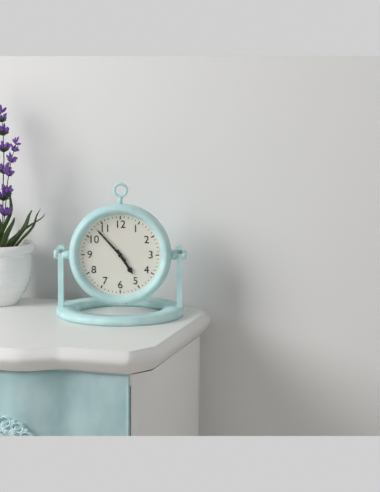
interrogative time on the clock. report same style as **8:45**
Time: **4:53**
